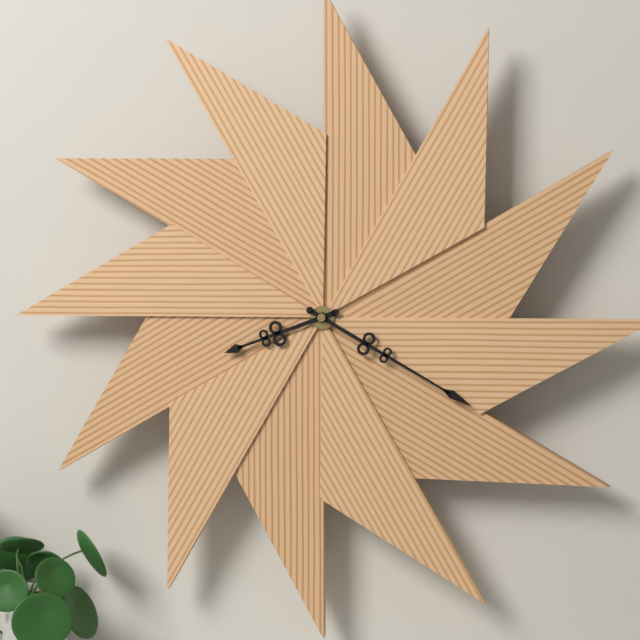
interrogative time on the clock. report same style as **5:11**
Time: **8:20**
